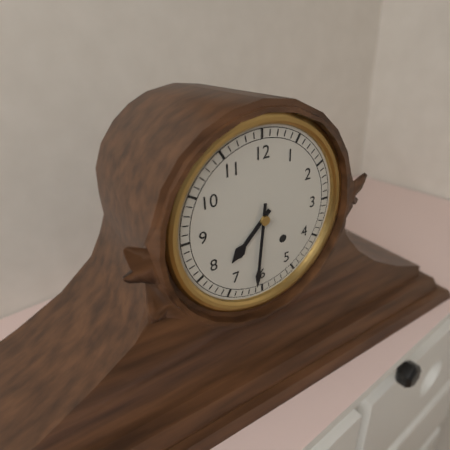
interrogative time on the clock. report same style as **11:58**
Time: **7:31**
